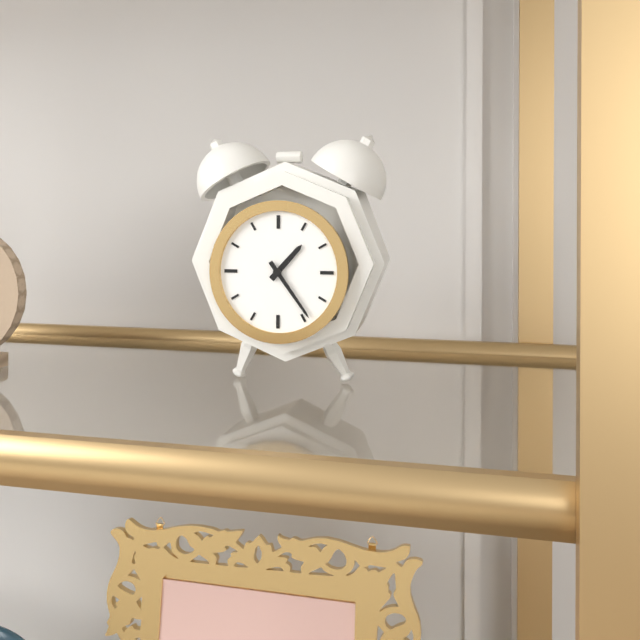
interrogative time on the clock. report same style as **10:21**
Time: **1:24**
